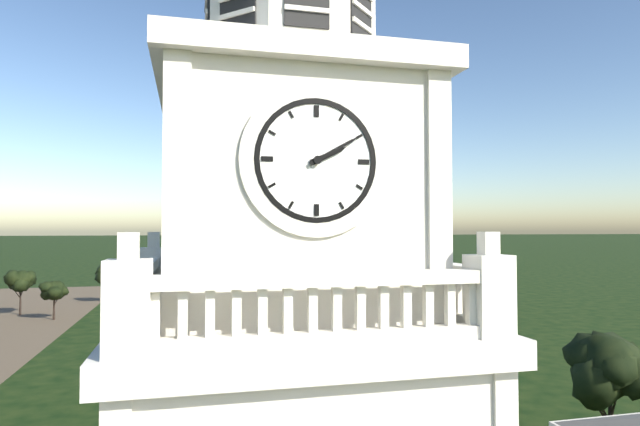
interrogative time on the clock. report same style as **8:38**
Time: **2:10**
